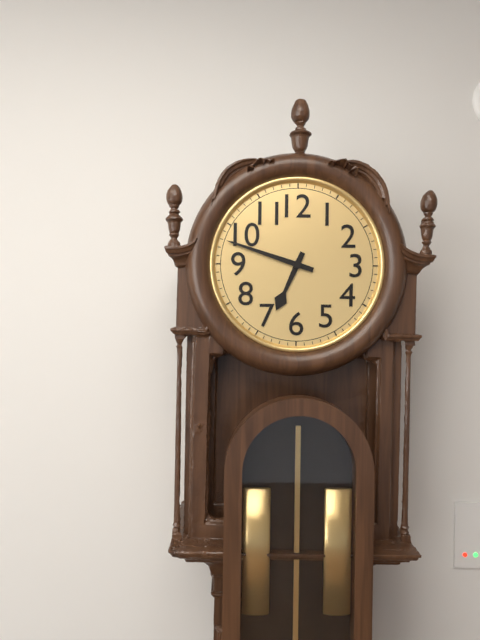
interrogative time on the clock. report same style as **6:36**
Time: **6:48**
